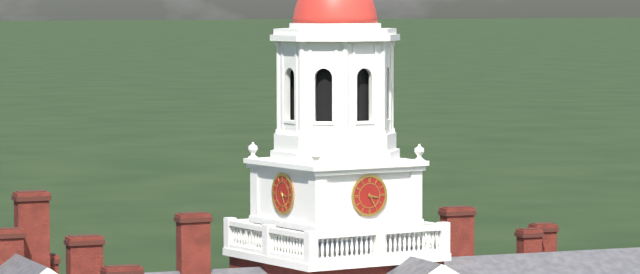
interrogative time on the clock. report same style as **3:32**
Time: **3:25**
